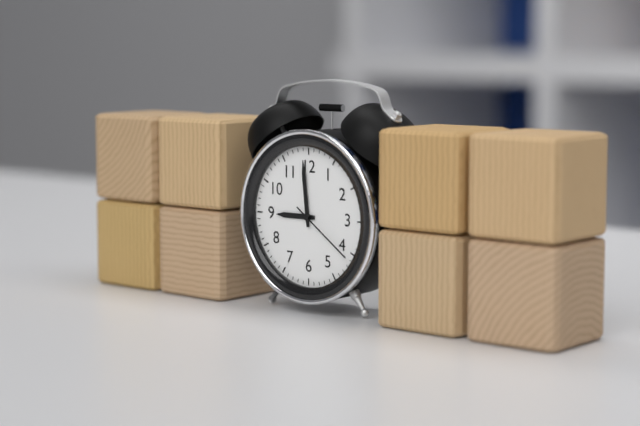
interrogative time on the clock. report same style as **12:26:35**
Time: **8:59:21**
